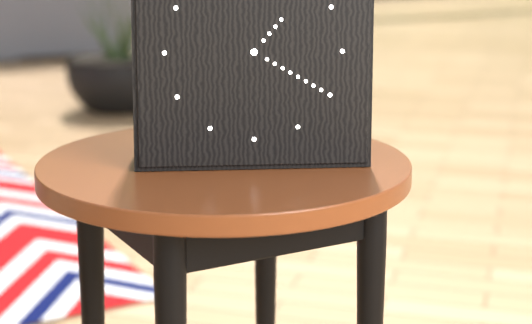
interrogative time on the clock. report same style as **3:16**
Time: **1:20**
